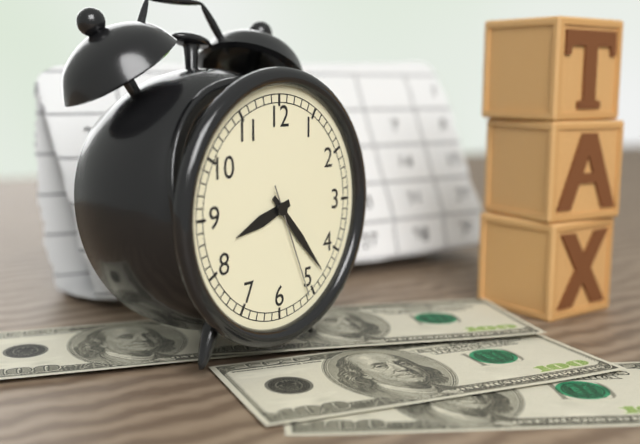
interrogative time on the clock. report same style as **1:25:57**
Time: **8:23:26**
